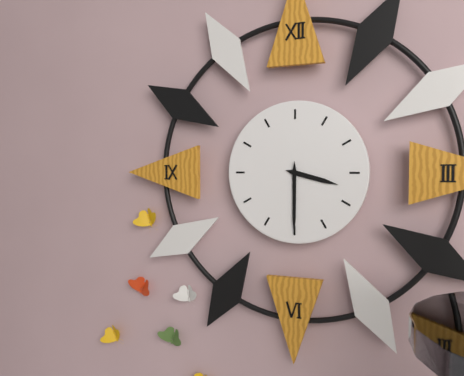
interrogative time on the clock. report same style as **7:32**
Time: **3:30**
